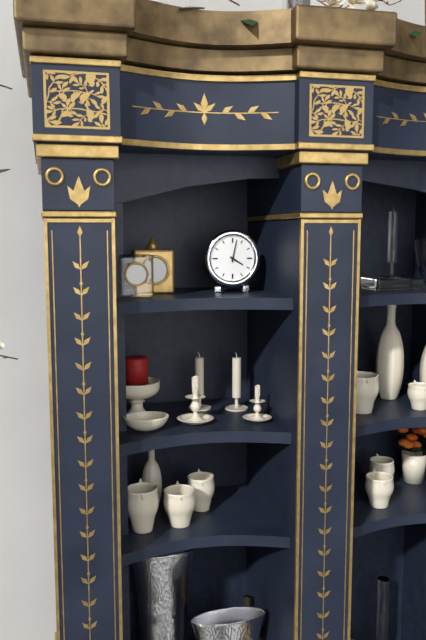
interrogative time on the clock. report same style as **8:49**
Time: **4:02**
